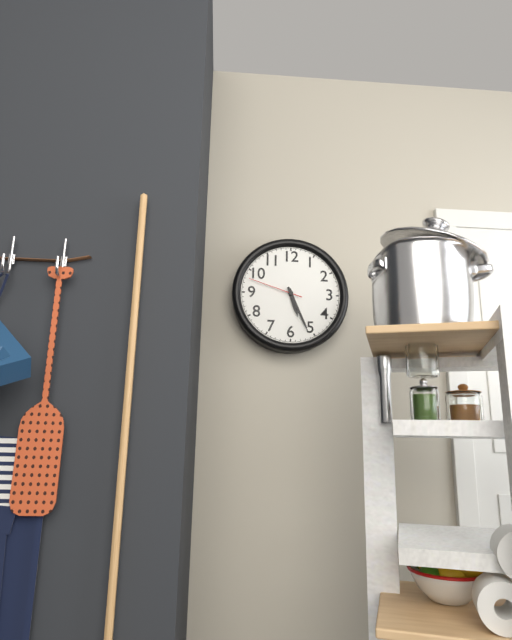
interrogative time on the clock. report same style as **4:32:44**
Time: **5:26:48**
